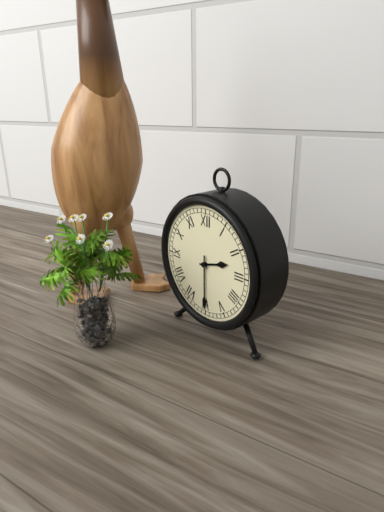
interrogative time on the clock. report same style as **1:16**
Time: **2:30**
